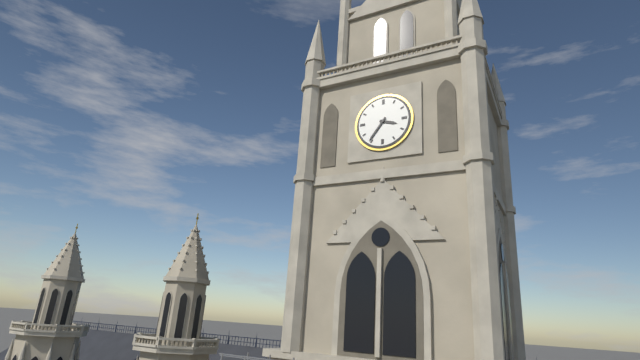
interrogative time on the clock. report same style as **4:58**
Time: **3:36**
